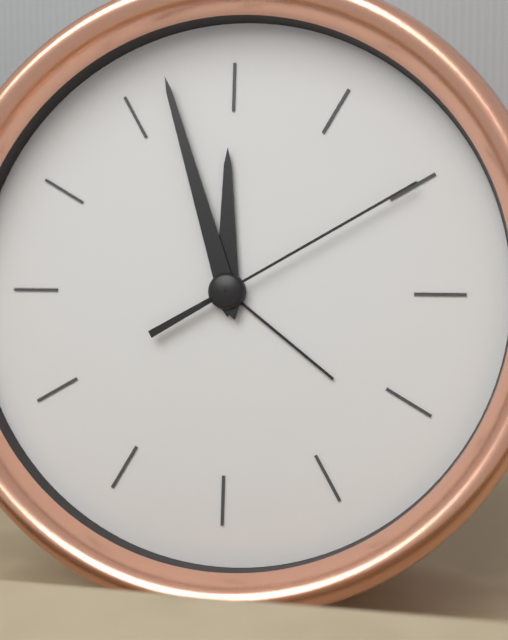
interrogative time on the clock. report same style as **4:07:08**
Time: **11:57:10**
